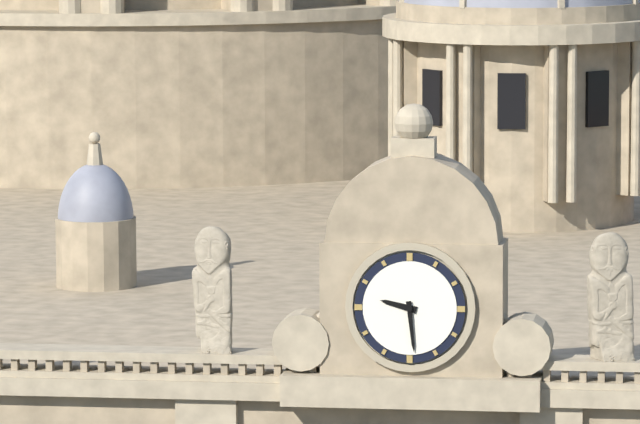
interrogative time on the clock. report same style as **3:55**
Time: **9:29**
